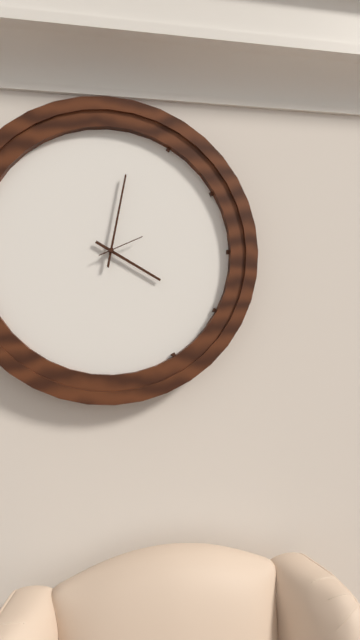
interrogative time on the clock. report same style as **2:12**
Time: **4:02**
